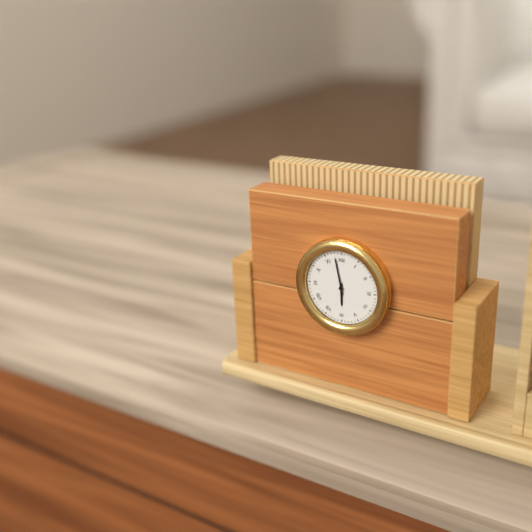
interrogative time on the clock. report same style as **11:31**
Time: **5:58**
